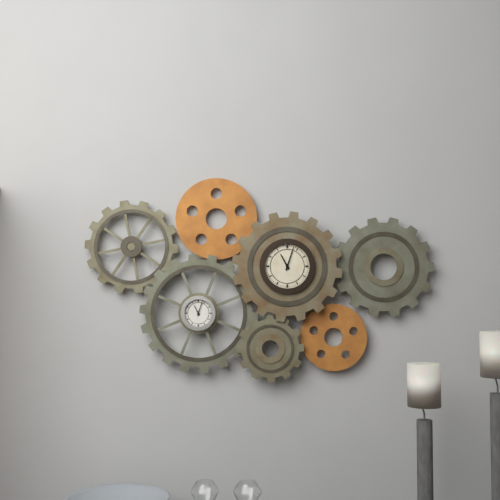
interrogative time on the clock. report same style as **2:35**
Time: **11:03**
